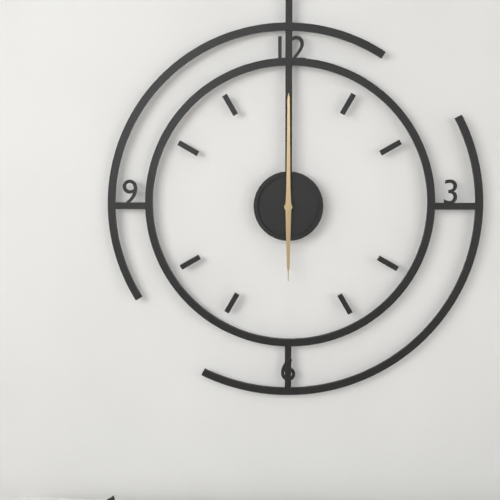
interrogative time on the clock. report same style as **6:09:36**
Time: **6:00:30**
